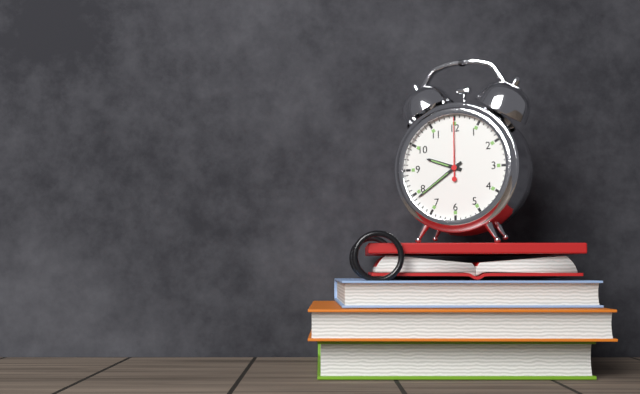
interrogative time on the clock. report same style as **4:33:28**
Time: **9:39:00**
